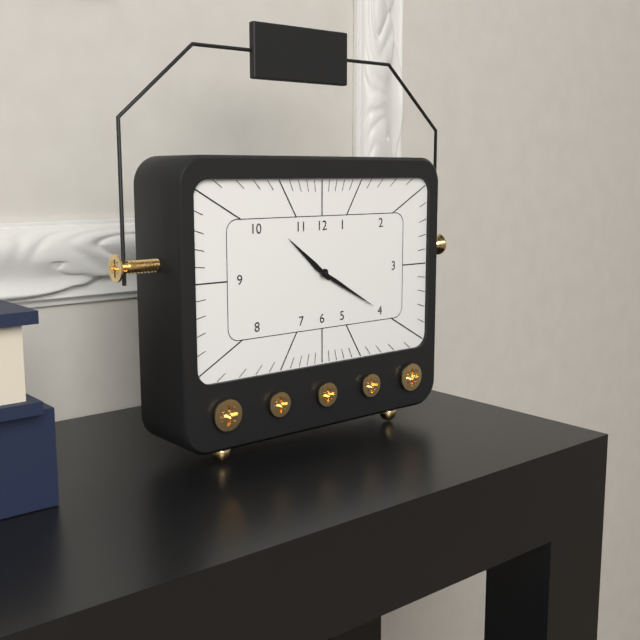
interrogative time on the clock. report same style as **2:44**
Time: **10:20**
